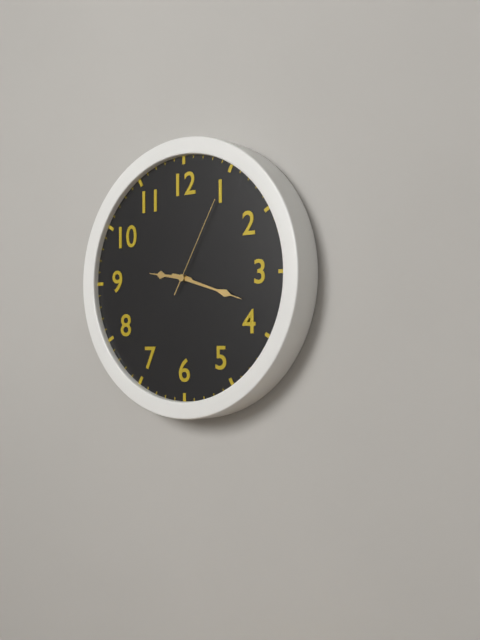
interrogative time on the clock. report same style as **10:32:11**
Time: **9:18:05**
